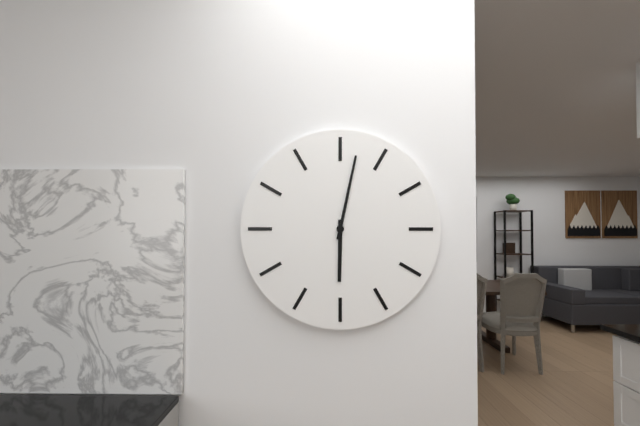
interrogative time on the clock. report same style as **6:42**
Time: **6:02**
